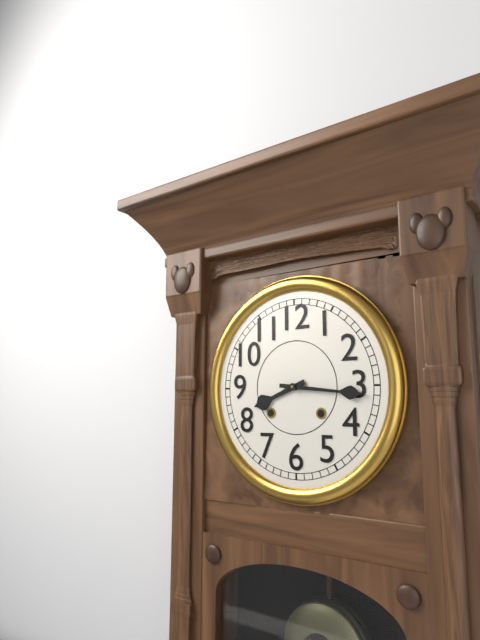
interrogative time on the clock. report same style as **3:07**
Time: **8:16**
